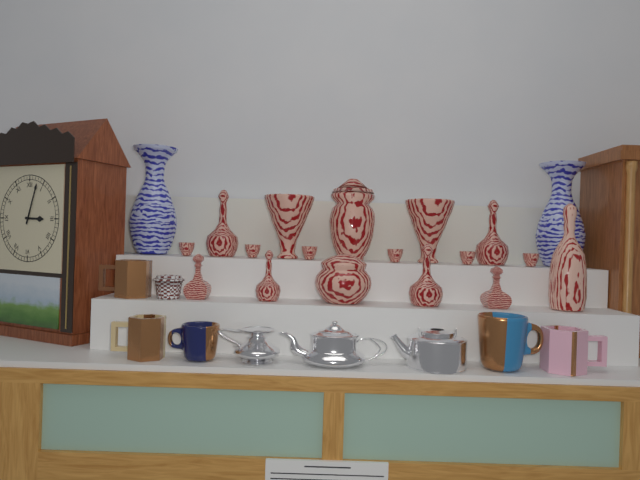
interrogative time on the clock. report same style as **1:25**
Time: **3:03**
